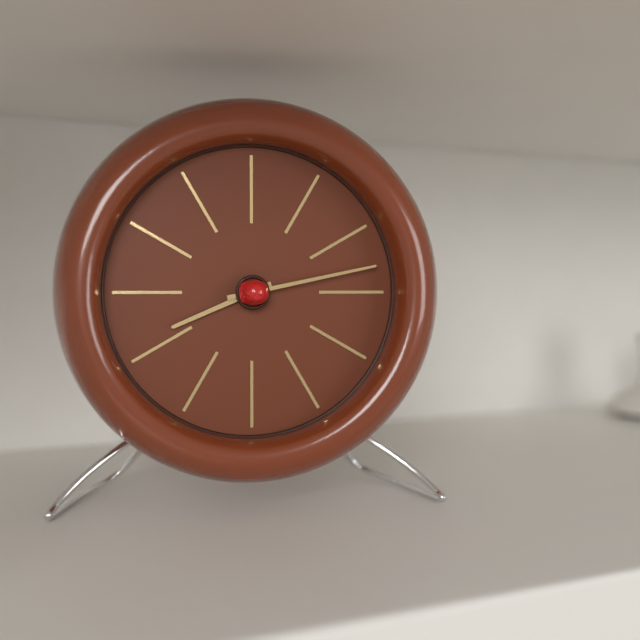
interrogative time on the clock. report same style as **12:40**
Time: **8:13**
